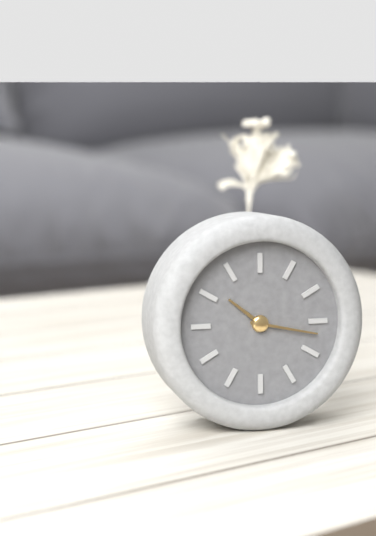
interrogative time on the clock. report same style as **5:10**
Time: **10:17**
